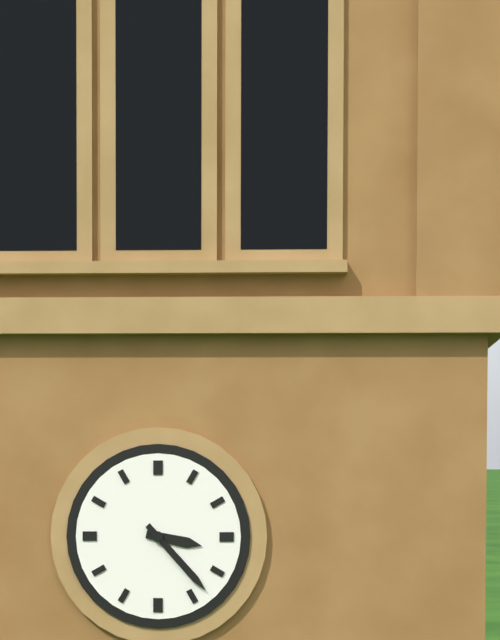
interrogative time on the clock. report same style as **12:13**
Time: **3:23**
